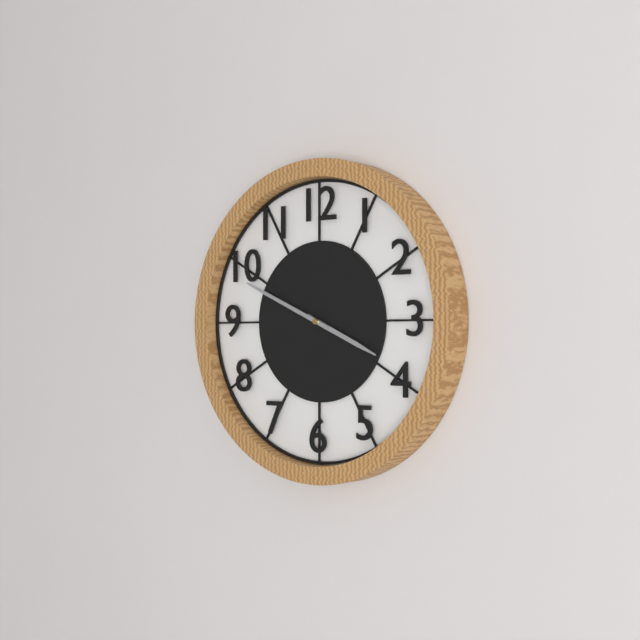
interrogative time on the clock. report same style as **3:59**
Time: **3:49**
